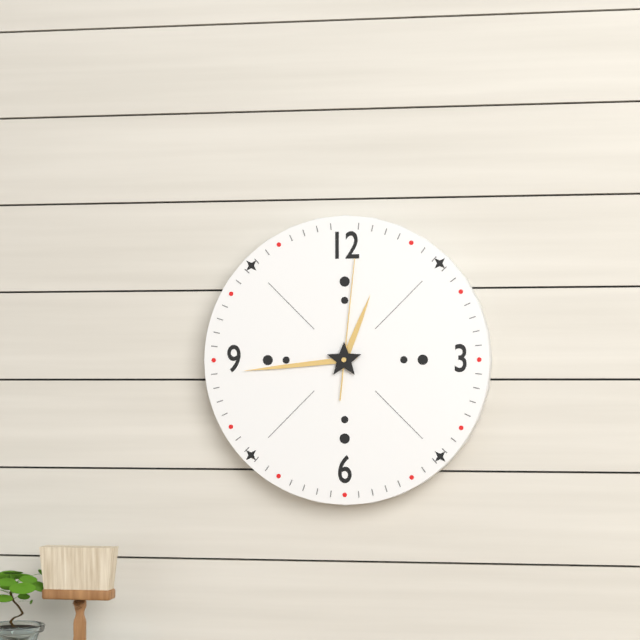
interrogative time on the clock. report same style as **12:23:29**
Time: **12:44:01**
